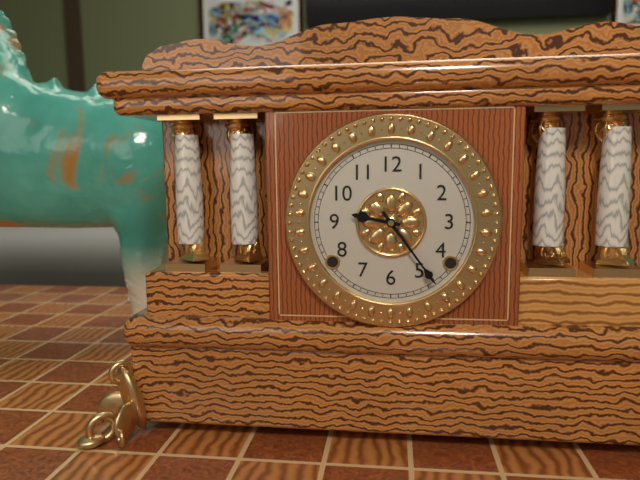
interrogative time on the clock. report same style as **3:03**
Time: **9:24**
